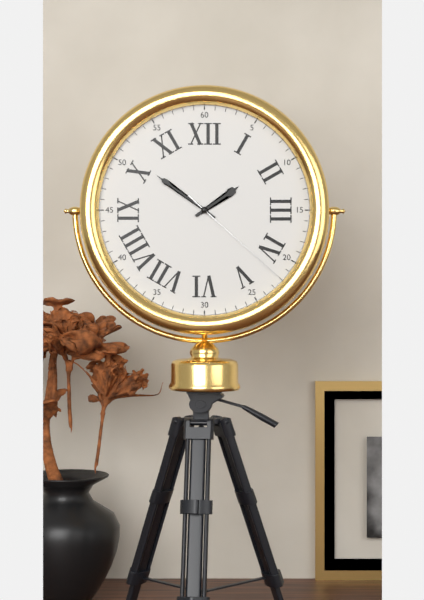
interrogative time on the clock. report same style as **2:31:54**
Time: **1:51:22**
